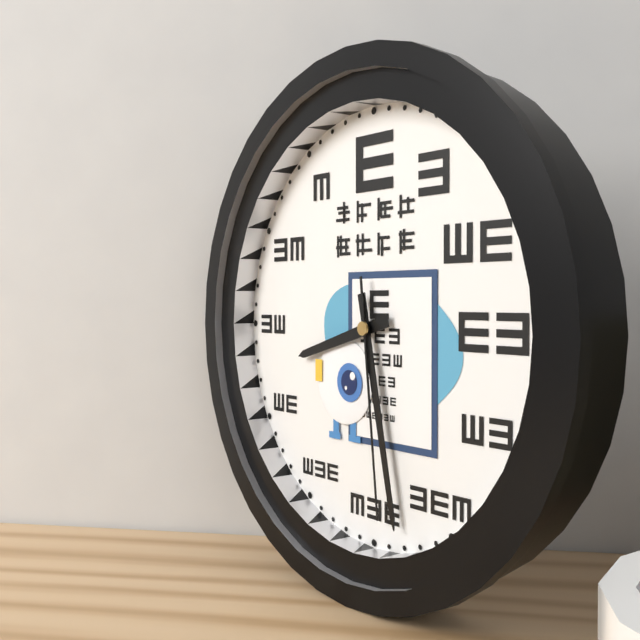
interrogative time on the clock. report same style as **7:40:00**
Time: **8:28:29**
